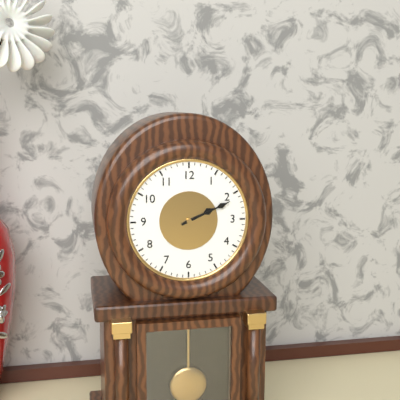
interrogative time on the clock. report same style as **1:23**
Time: **2:11**
